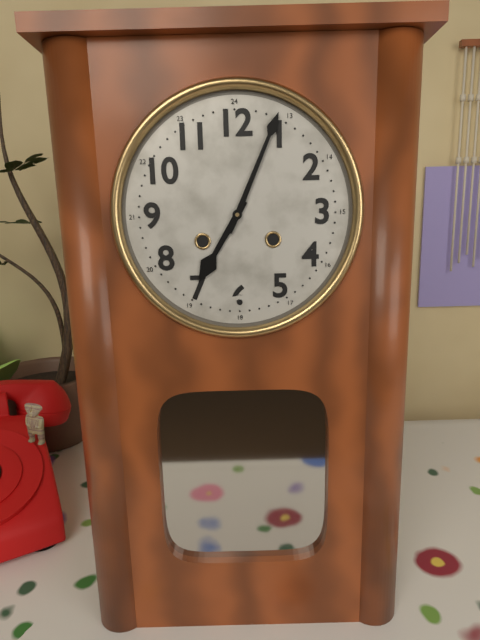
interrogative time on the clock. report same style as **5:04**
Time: **7:04**
